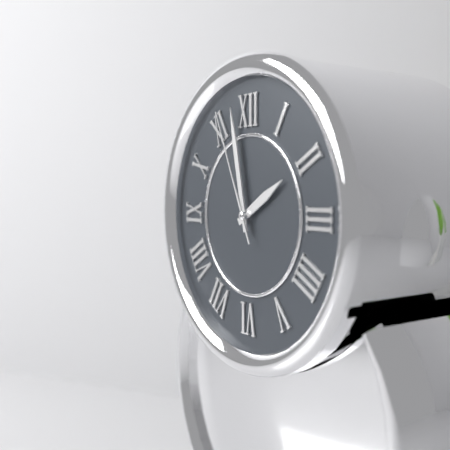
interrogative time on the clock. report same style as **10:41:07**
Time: **1:58:56**
